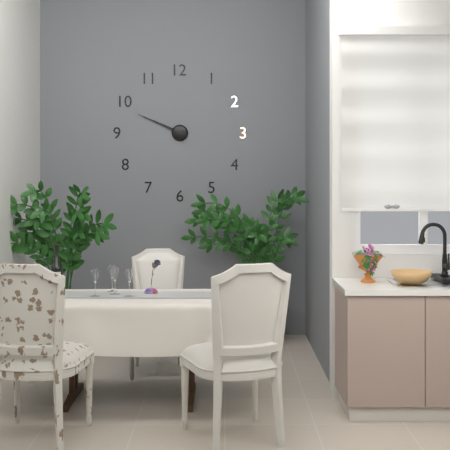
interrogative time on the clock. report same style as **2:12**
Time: **9:49**
